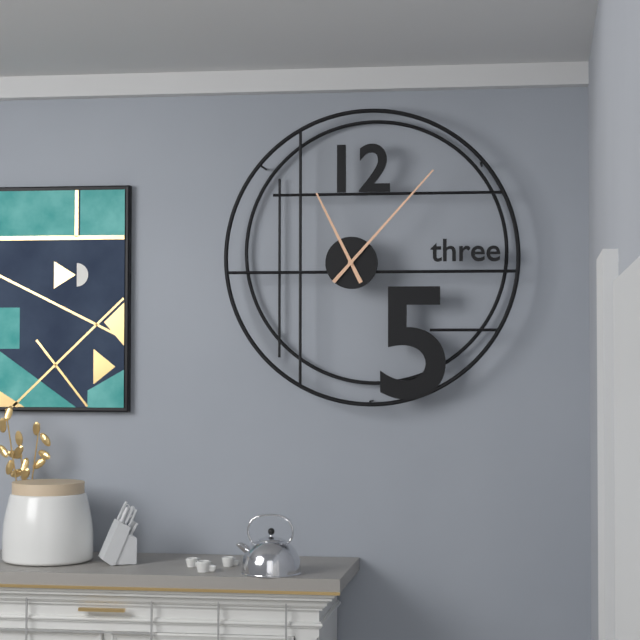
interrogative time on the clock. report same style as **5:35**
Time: **11:07**
